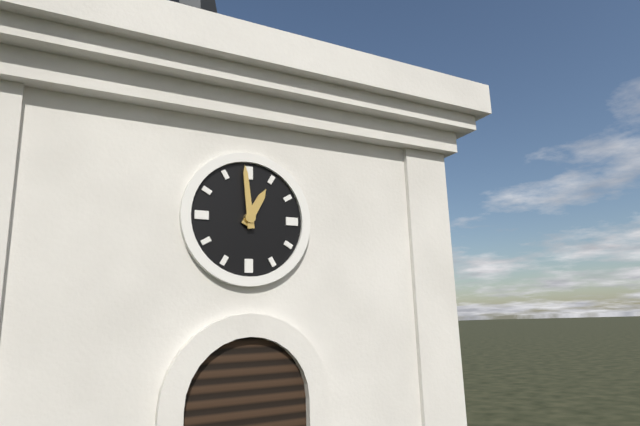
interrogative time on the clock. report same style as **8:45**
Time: **12:59**
